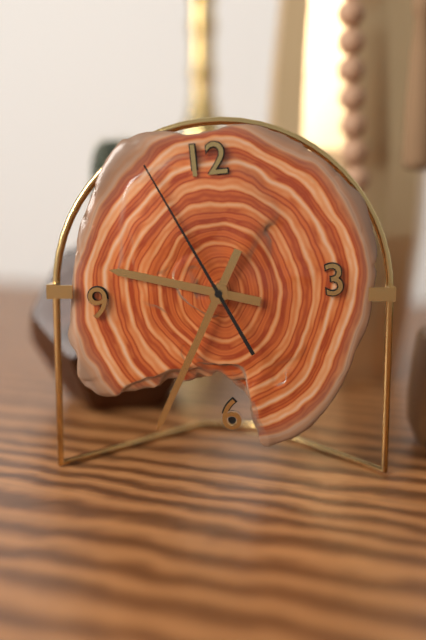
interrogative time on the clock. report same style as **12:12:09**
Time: **9:35:56**
